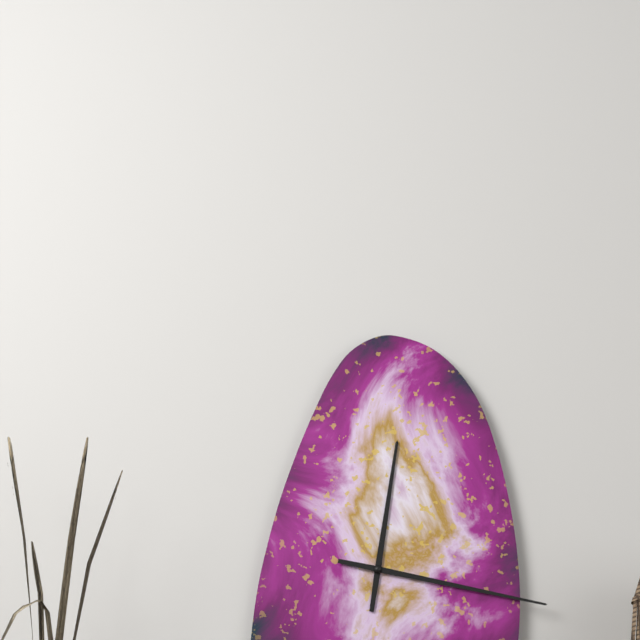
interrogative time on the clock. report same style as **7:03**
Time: **12:17**
